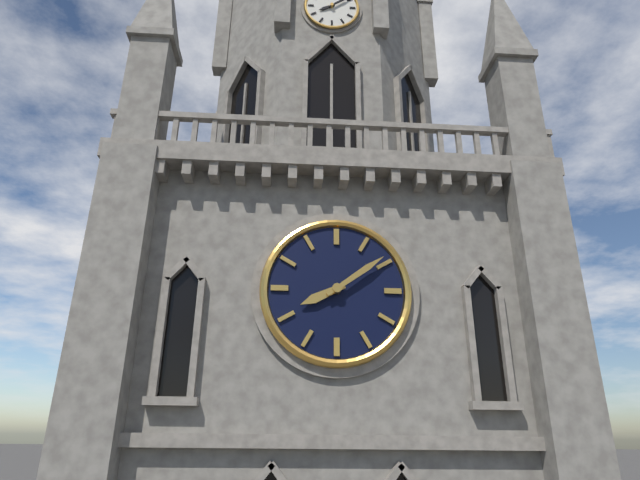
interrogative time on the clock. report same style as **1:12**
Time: **8:09**
